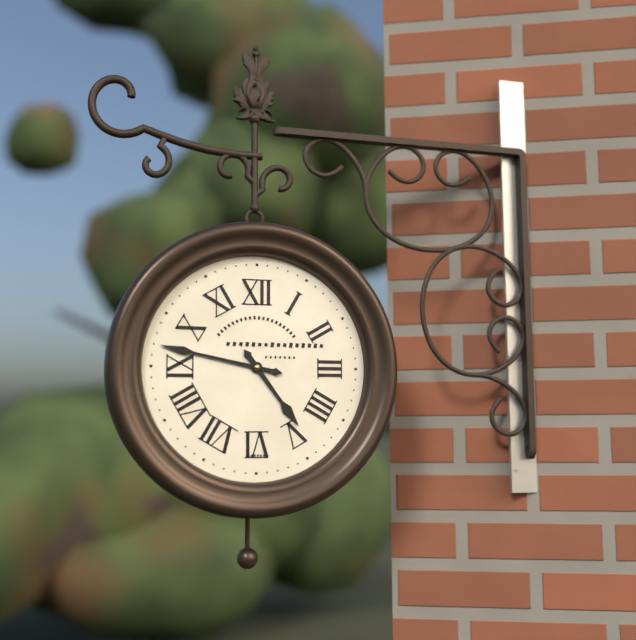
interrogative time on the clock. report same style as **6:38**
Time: **4:47**
